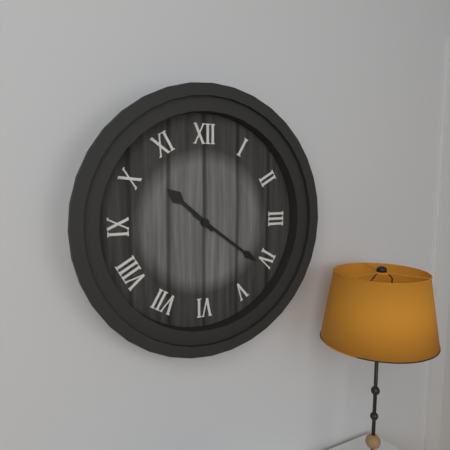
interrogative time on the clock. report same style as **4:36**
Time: **10:21**
